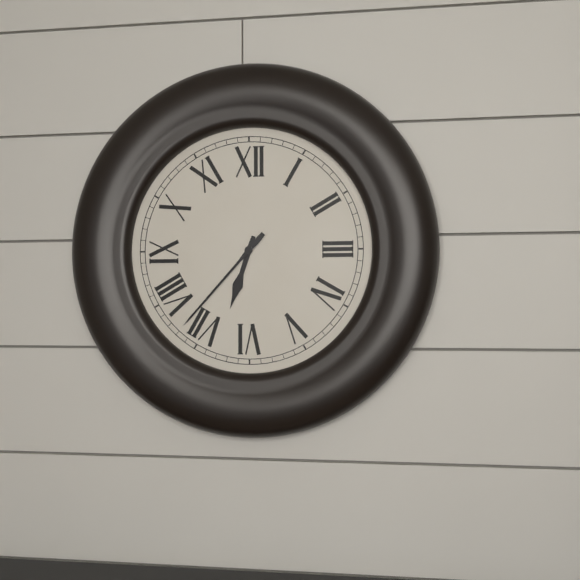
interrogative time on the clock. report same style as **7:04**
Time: **6:37**
